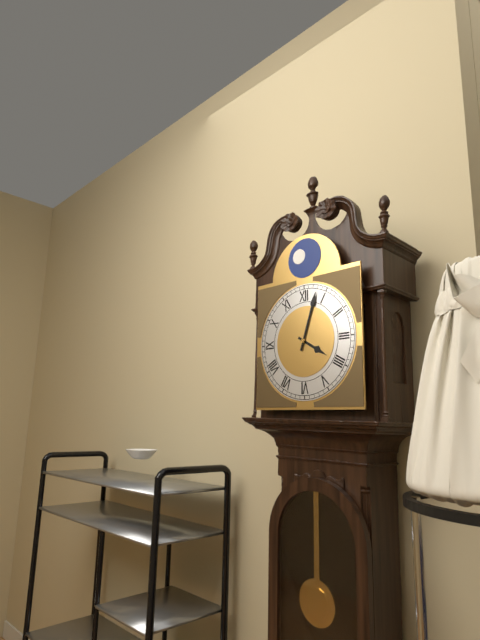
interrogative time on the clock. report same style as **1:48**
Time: **4:03**
